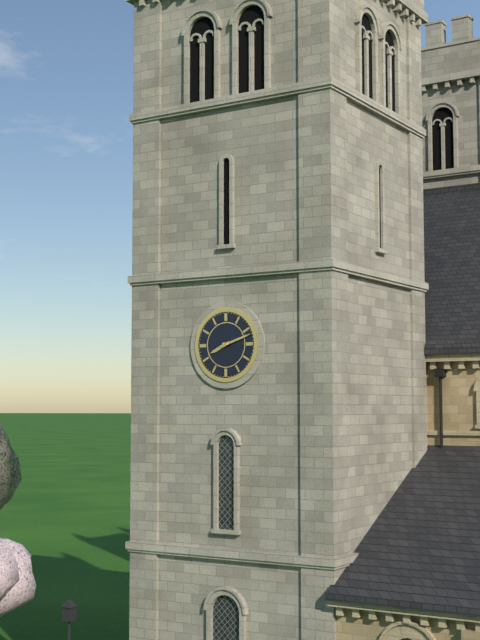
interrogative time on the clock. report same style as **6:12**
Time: **8:12**
